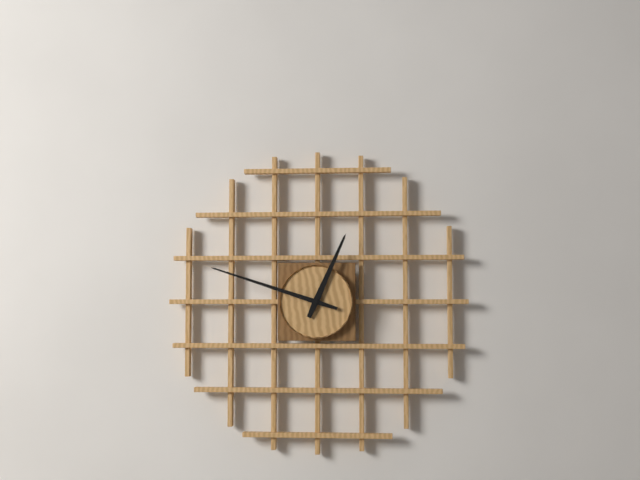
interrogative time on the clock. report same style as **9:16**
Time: **12:48**
